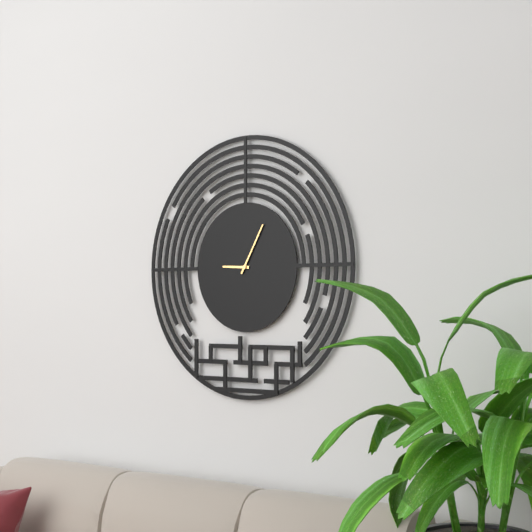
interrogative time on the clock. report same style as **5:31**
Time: **9:05**
